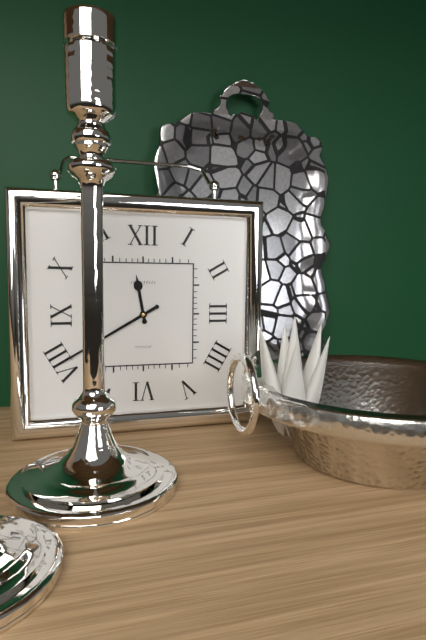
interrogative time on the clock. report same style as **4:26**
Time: **11:40**
